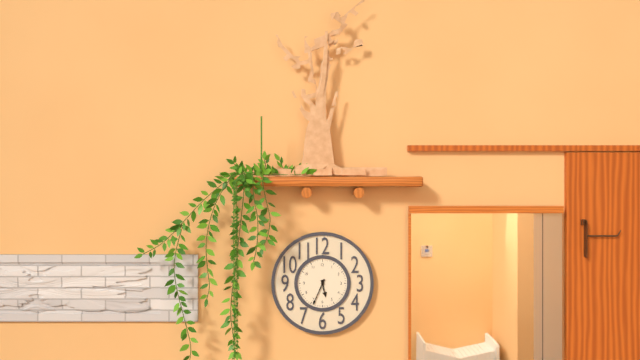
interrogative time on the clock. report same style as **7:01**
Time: **5:34**
